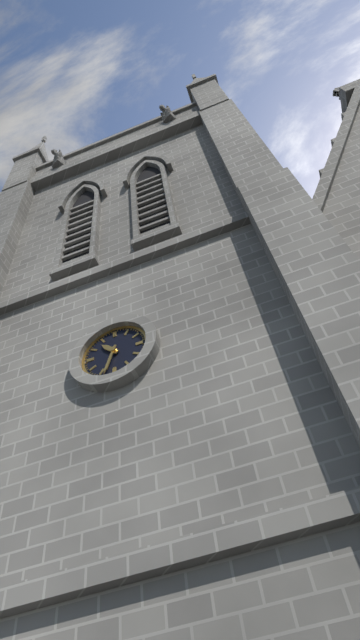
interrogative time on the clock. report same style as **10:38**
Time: **10:33**
